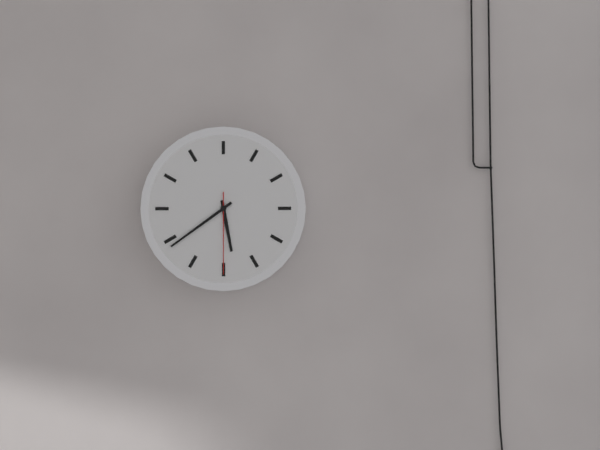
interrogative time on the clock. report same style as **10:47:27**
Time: **5:39:30**
